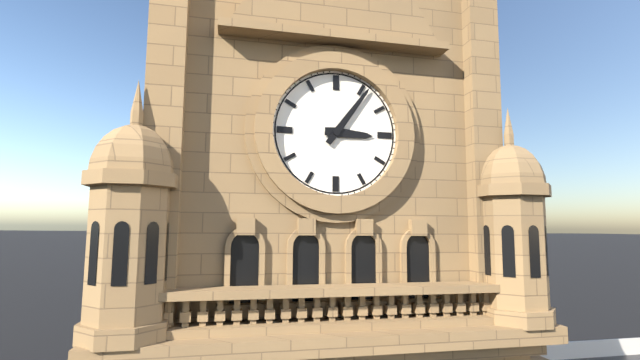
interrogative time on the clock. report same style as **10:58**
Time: **3:06**
